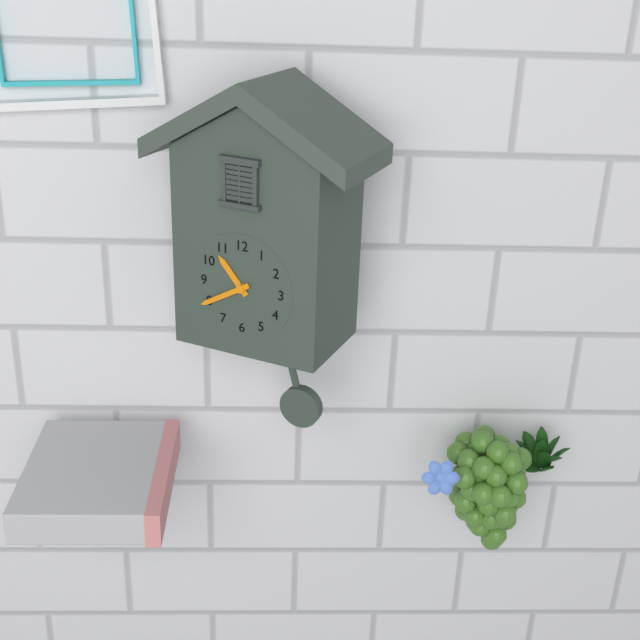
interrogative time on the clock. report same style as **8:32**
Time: **10:40**
